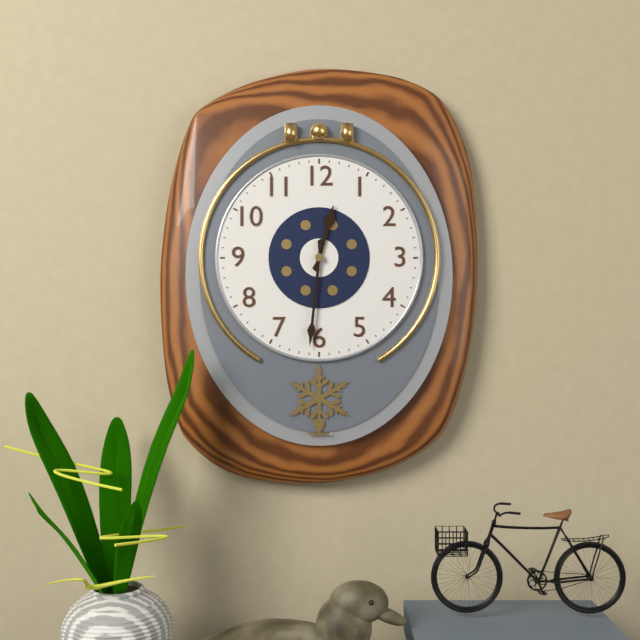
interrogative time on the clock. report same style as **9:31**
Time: **12:31**
